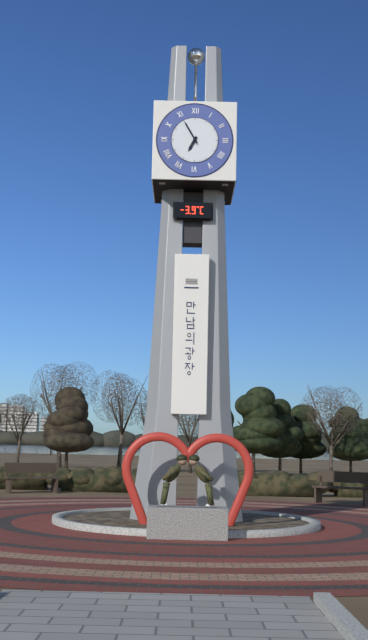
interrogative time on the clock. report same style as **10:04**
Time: **6:55**
